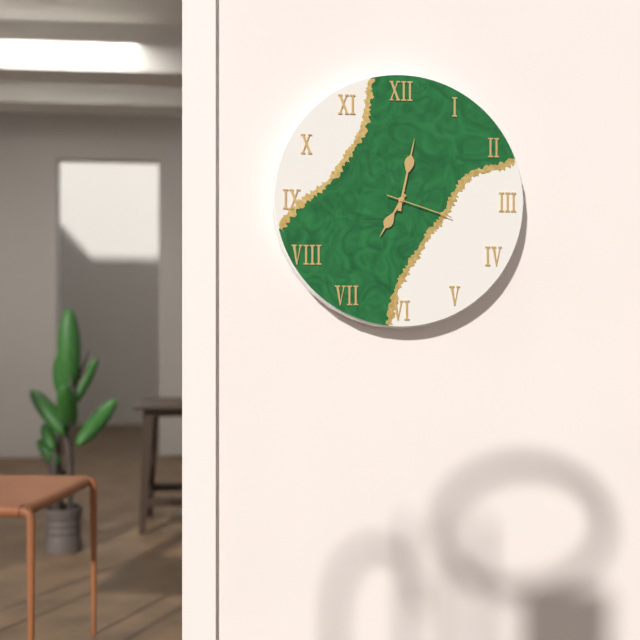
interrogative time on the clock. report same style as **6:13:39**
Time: **7:02:18**
